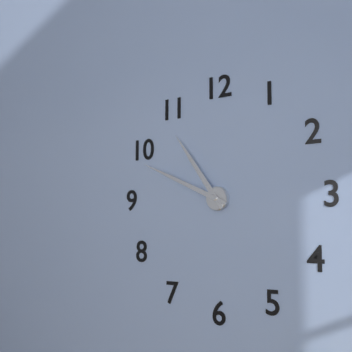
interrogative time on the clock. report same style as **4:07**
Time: **10:49**
